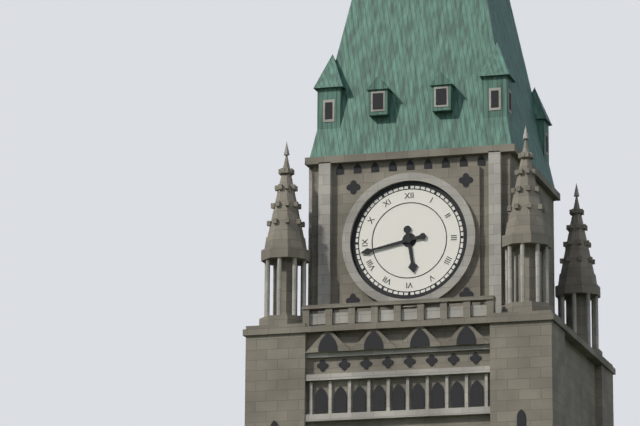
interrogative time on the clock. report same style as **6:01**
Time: **5:43**
